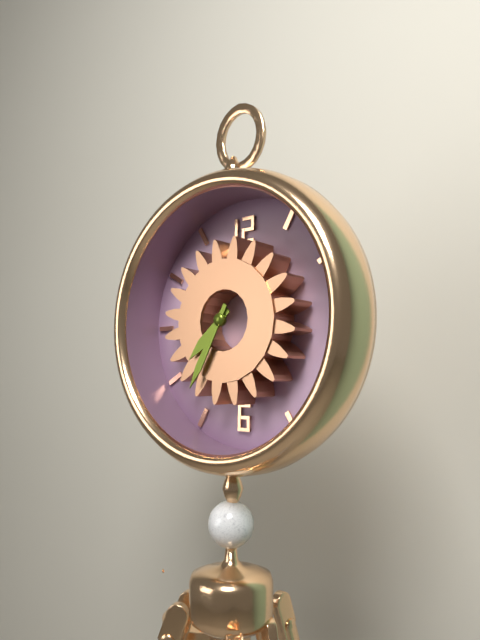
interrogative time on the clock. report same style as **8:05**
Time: **7:35**
